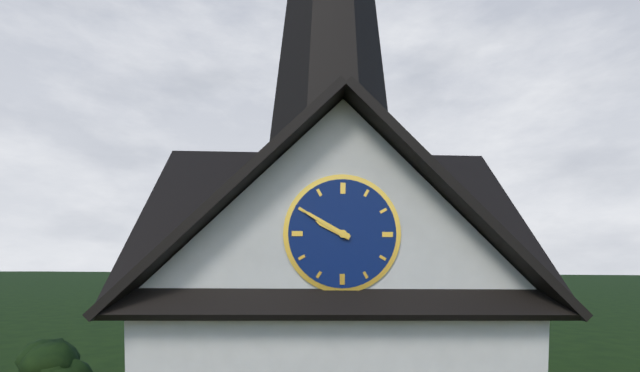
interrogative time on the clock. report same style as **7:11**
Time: **9:50**
